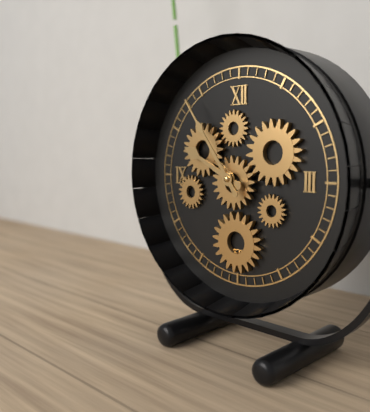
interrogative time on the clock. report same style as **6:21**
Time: **9:54**
